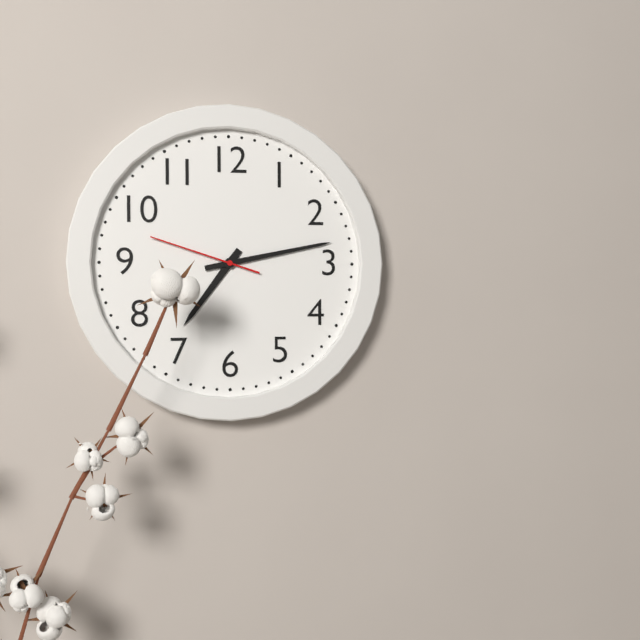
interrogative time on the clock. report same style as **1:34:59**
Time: **7:13:48**
